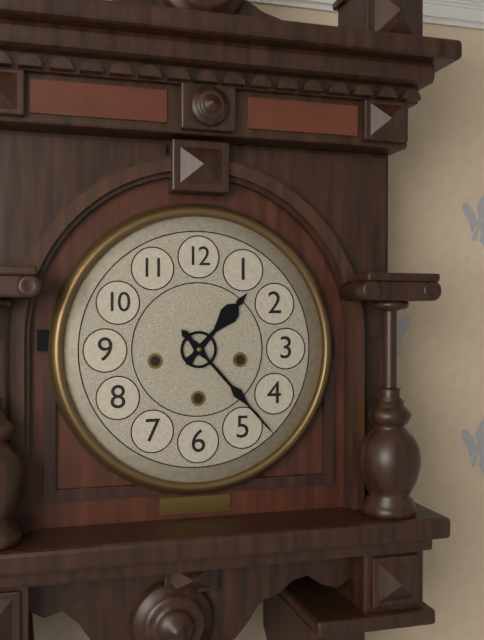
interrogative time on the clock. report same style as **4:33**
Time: **1:23**
